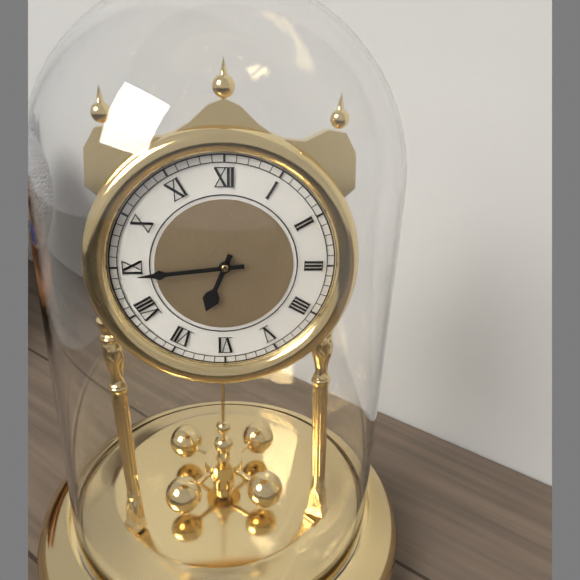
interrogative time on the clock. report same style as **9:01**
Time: **6:44**
